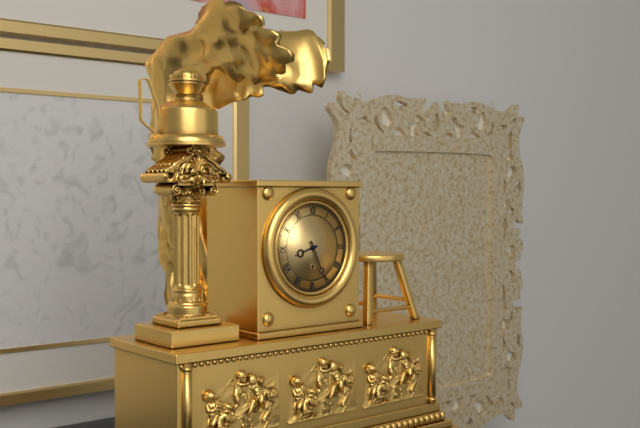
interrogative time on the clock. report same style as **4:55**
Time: **8:26**
